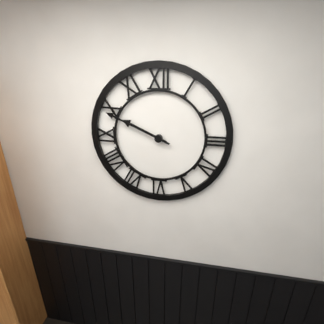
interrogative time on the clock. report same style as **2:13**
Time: **9:49**
